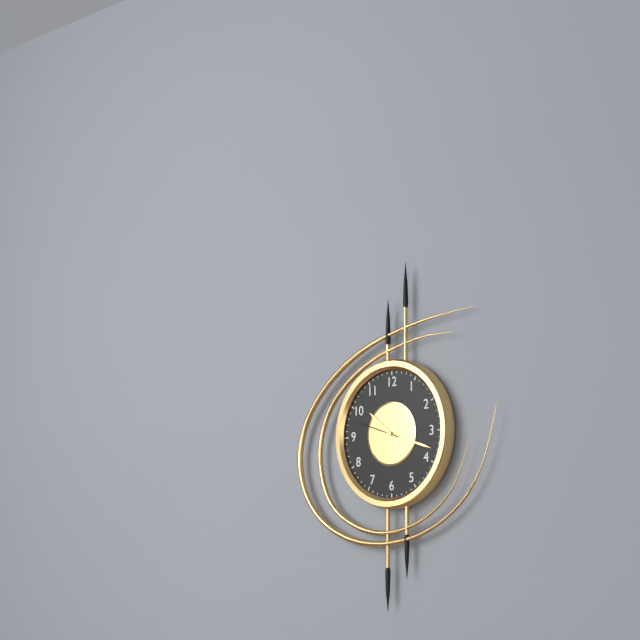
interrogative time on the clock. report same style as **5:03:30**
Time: **10:18:48**
